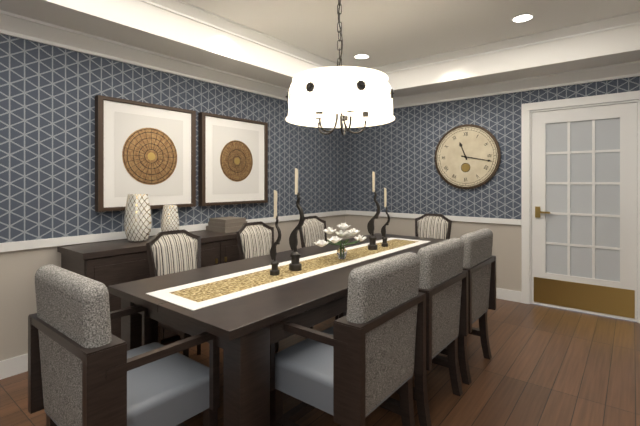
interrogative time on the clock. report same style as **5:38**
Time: **11:17**
